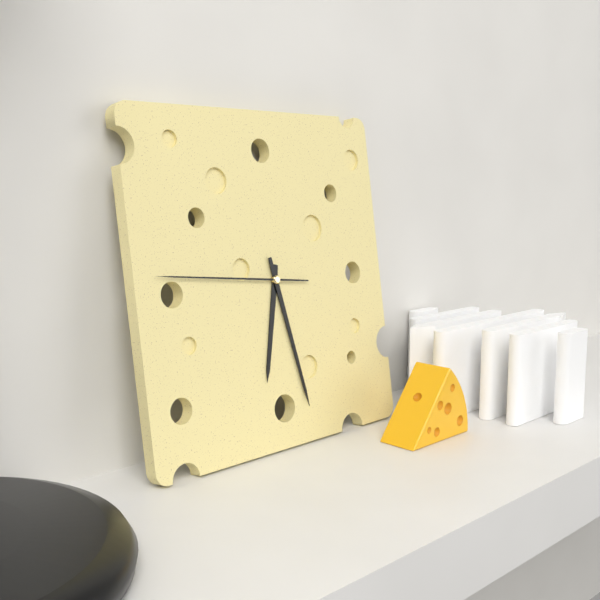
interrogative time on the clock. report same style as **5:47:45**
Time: **6:28:46**
